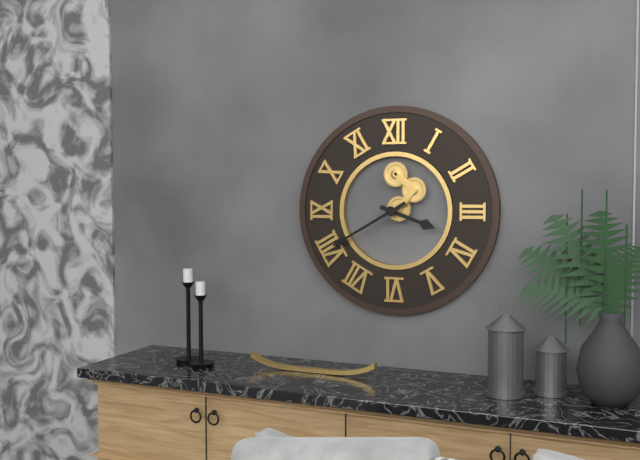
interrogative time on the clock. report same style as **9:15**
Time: **3:40**
